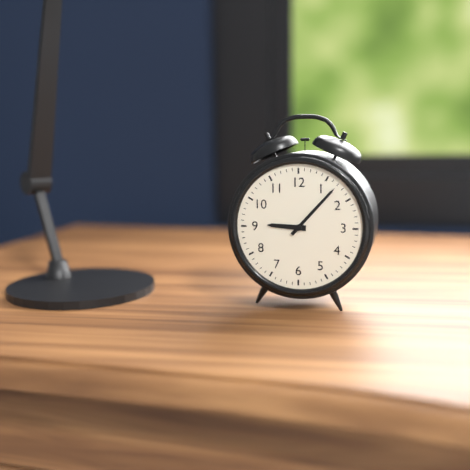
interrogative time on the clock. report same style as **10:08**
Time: **9:07**
